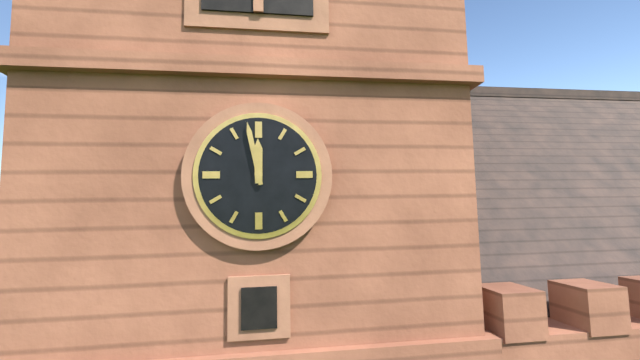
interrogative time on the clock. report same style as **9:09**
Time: **11:58**
